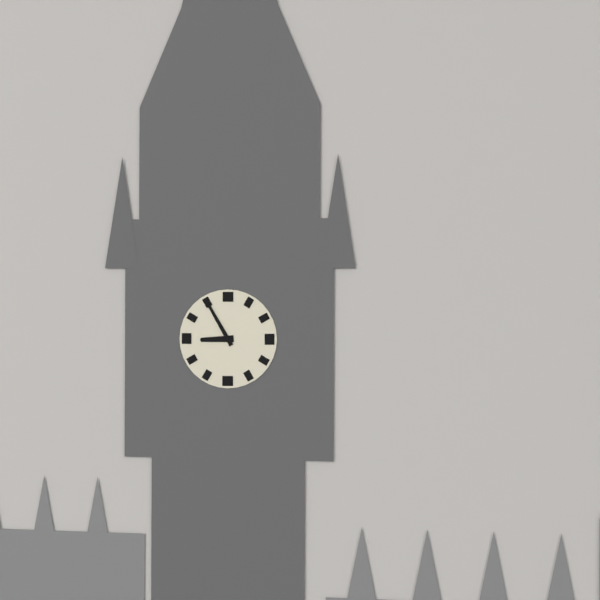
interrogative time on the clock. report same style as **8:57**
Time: **8:55**
